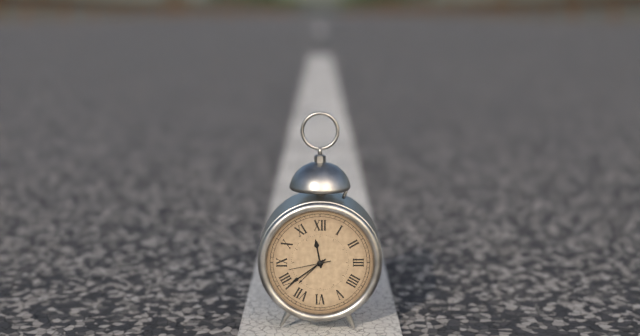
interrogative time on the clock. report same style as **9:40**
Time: **11:39**
